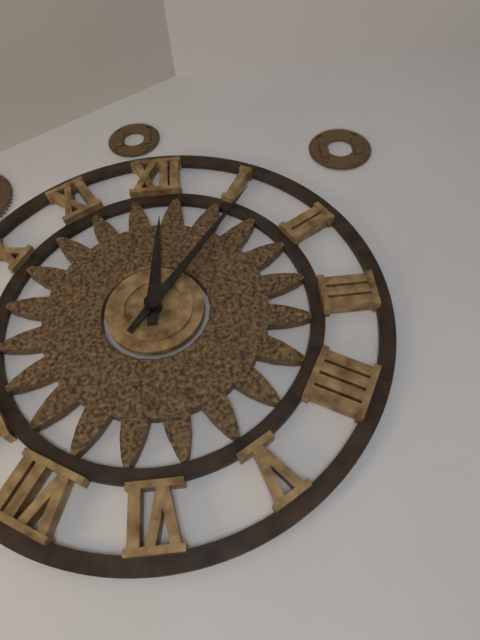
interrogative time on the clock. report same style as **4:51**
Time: **12:06**
